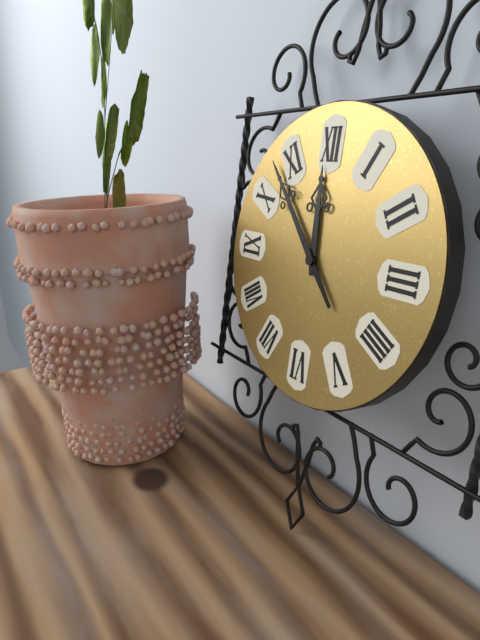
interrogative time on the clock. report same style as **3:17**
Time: **11:53**
